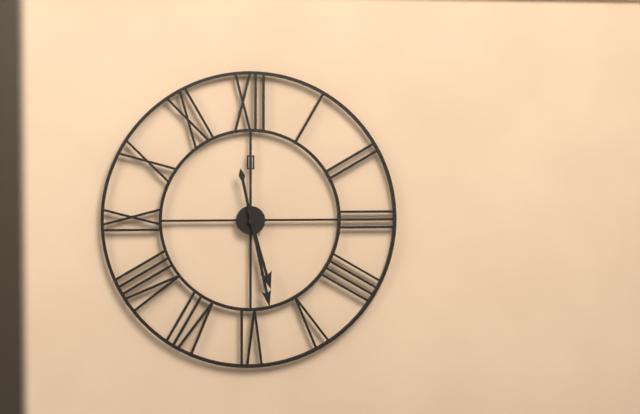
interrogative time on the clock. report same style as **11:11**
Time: **5:28**
